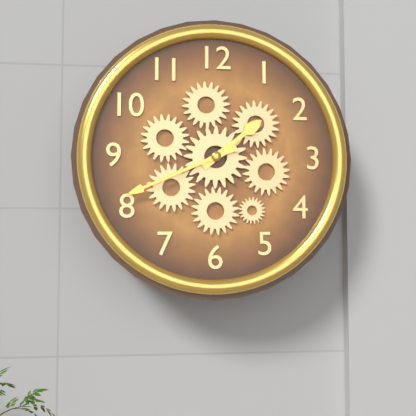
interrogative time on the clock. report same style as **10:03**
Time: **1:41**
